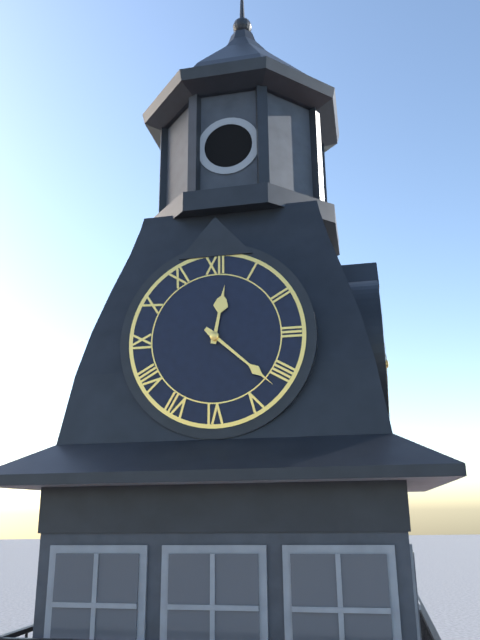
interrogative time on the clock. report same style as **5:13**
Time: **12:22**
